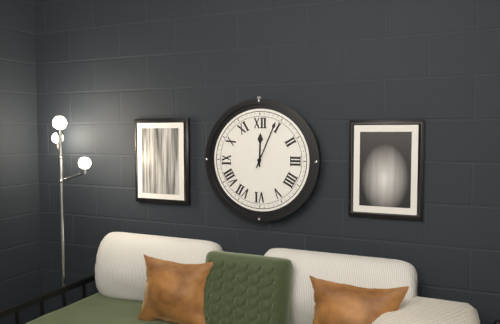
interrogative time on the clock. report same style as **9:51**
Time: **12:04**
